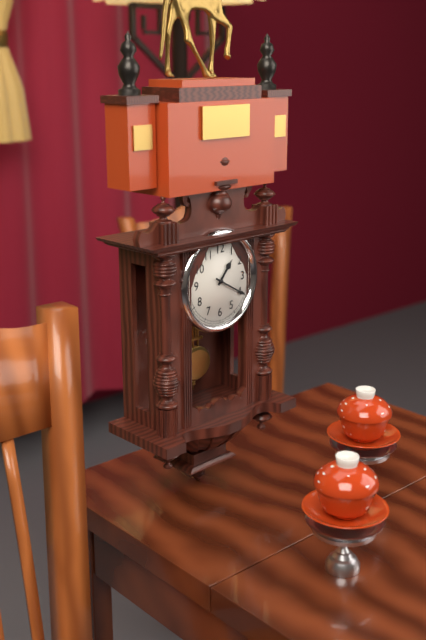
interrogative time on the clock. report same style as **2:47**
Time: **1:20**
